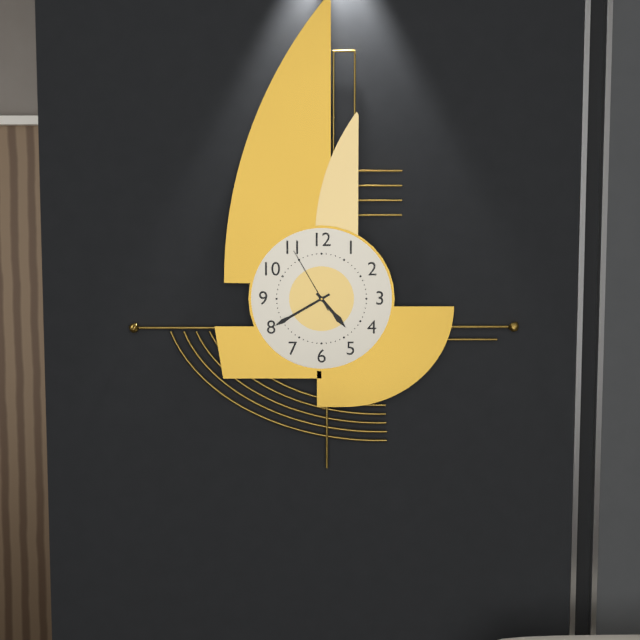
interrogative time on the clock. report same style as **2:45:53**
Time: **4:40:55**
